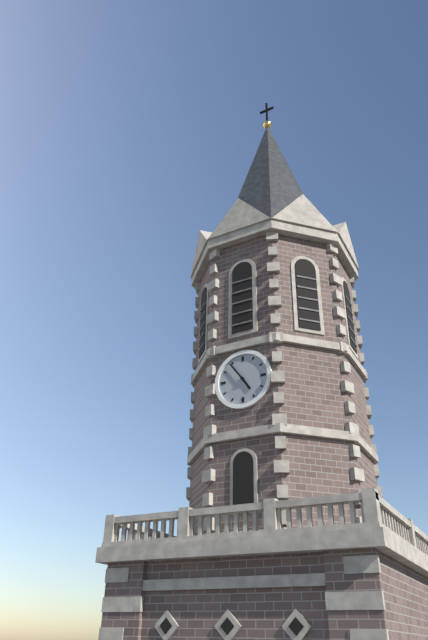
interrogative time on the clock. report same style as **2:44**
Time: **4:54**
